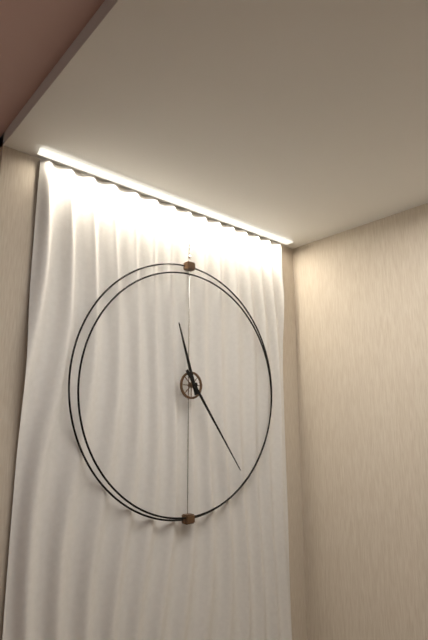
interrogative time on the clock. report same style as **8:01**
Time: **11:24**
